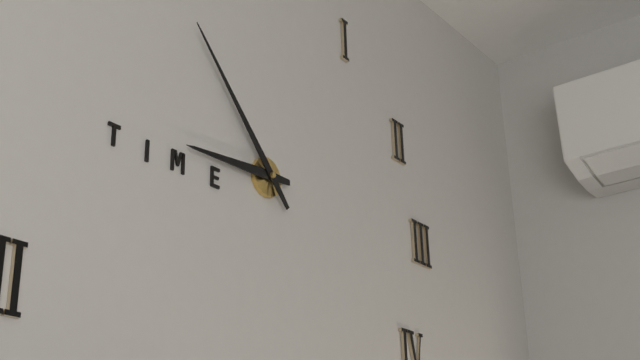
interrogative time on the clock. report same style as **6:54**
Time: **8:53**
